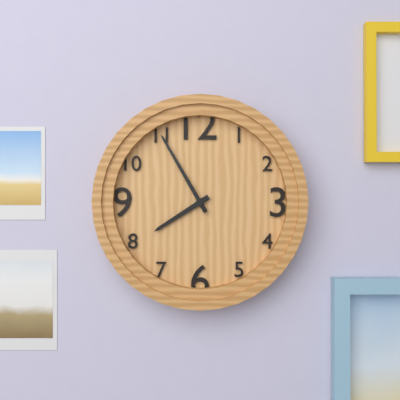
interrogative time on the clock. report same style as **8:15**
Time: **7:55**
